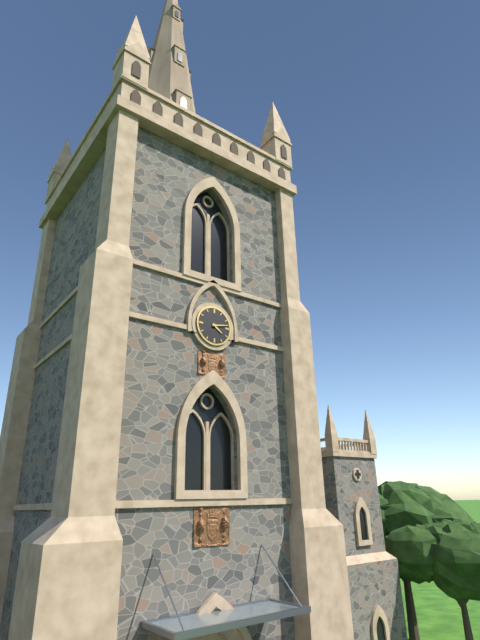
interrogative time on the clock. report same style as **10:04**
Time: **4:13**
